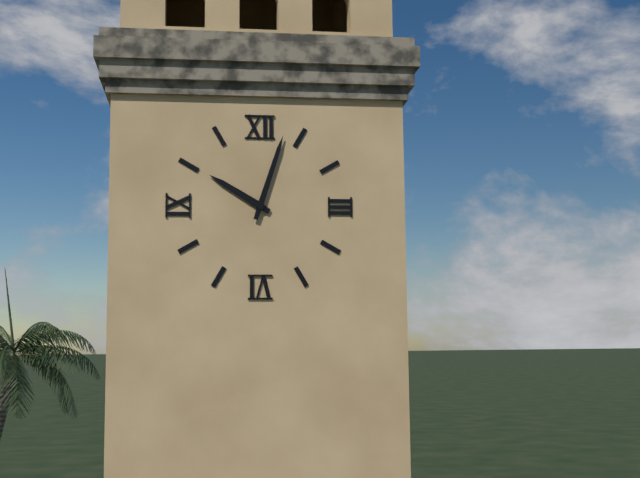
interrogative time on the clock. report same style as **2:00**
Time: **10:03**
